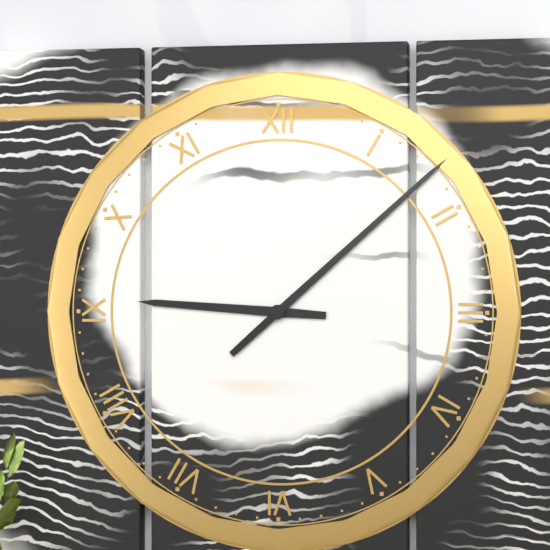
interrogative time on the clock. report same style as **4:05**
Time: **9:08**
